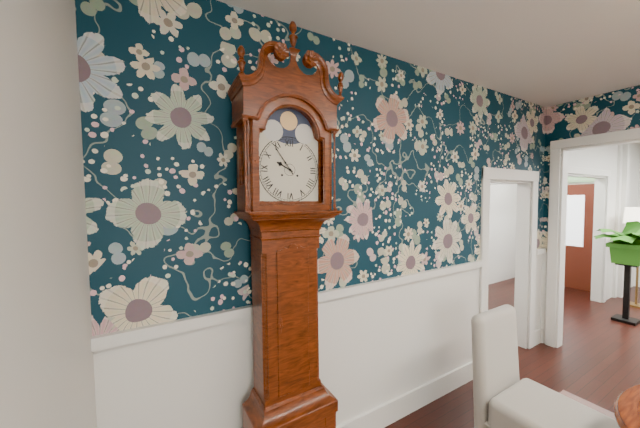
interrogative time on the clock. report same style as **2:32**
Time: **9:54**
